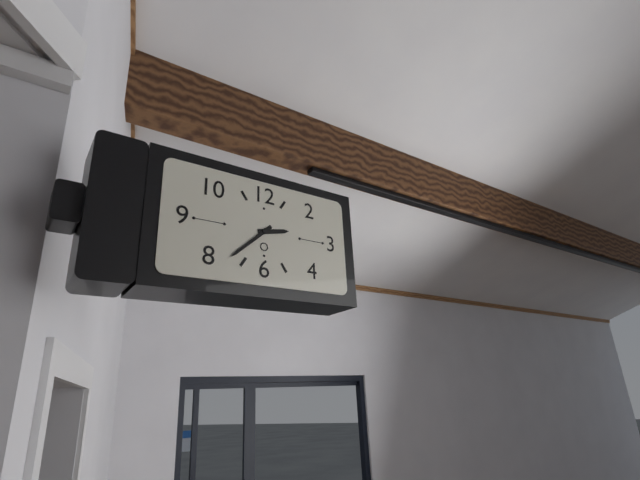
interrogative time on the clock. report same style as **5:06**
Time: **2:38**
